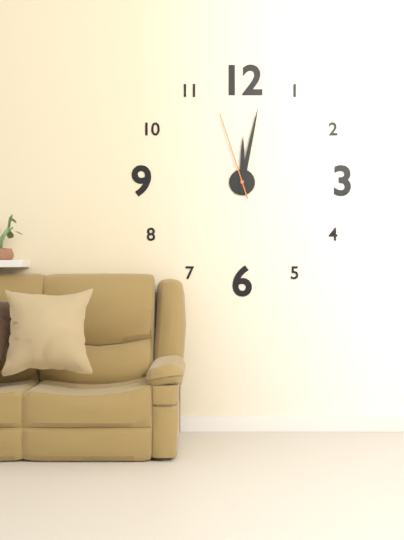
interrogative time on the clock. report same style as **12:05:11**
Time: **12:02:57**
